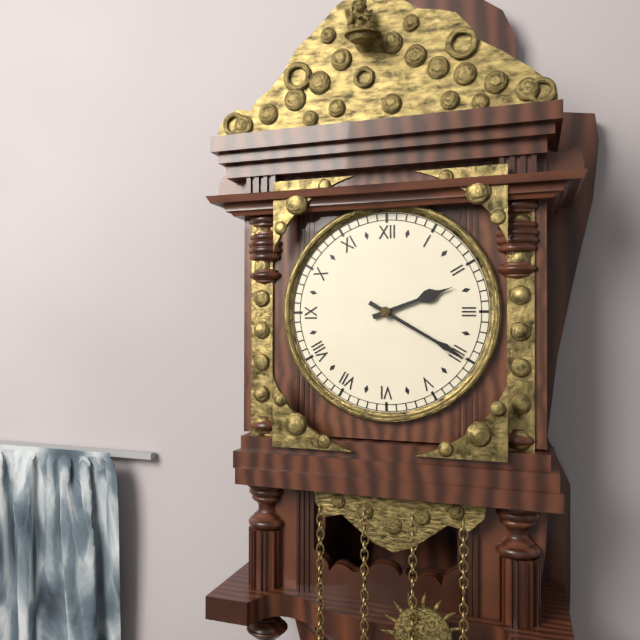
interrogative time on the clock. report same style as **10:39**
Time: **2:20**
